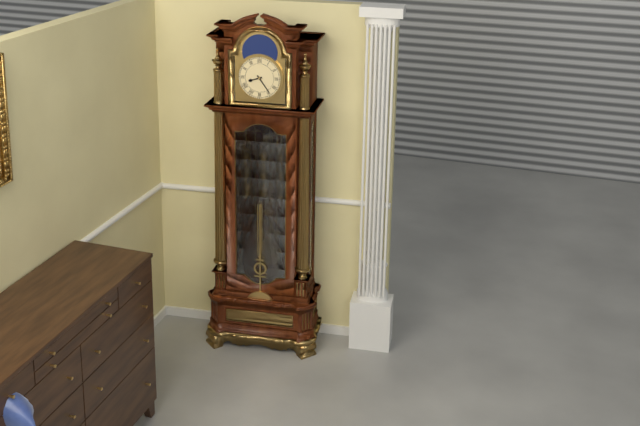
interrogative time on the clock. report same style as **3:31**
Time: **8:24**
